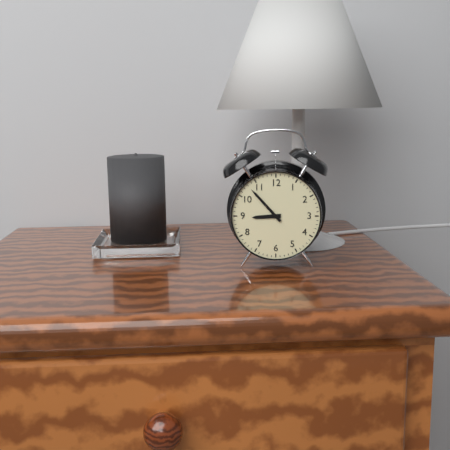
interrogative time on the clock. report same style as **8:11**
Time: **8:53**
